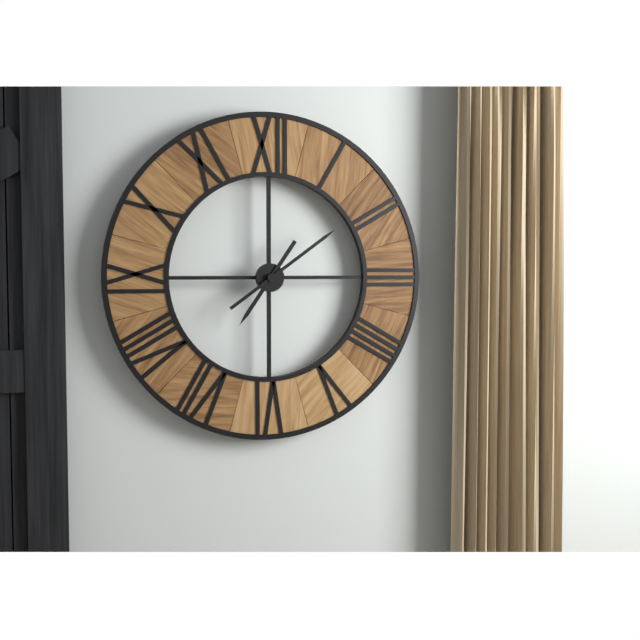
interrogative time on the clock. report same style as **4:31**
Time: **7:09**
